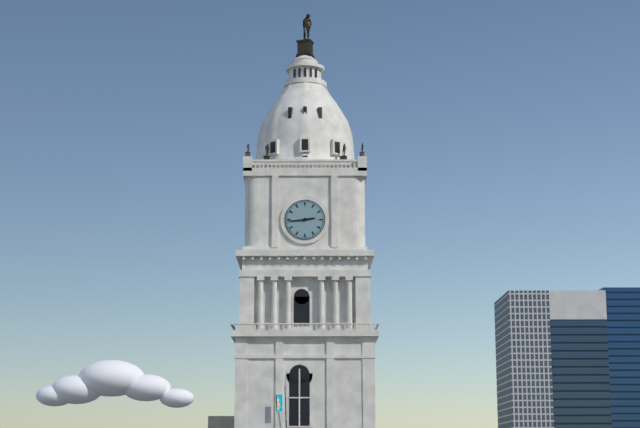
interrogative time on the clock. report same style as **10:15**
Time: **2:44**
